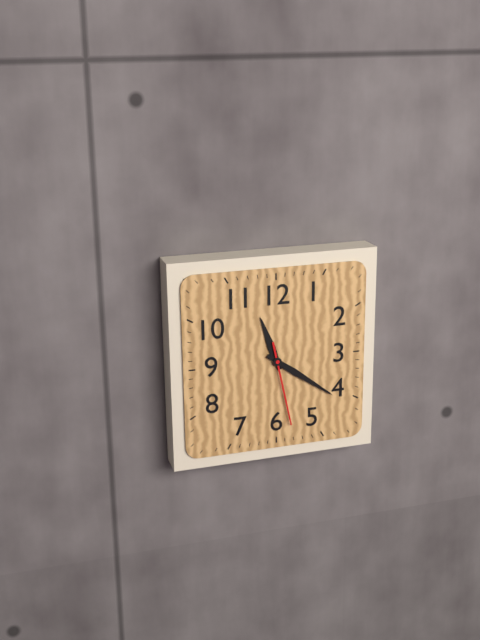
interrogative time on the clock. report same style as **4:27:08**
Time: **11:21:28**
